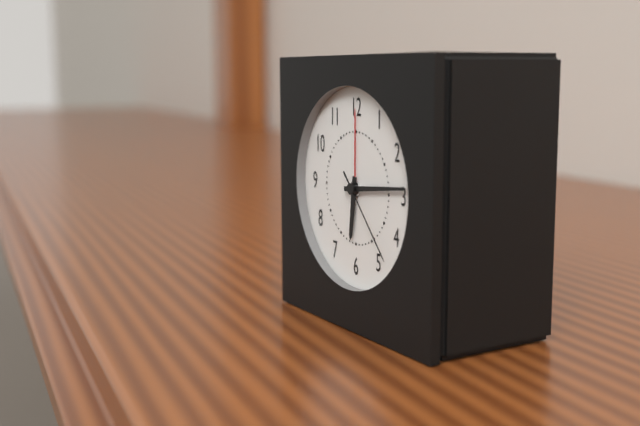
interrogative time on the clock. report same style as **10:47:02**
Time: **6:14:23**
